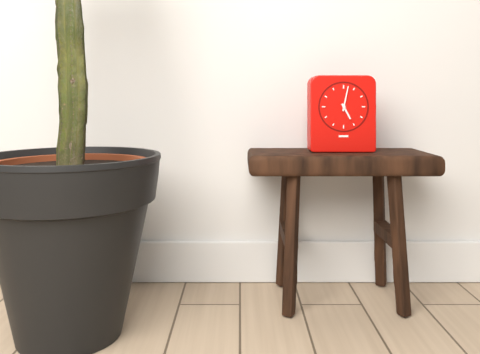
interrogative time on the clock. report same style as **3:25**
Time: **5:02**
